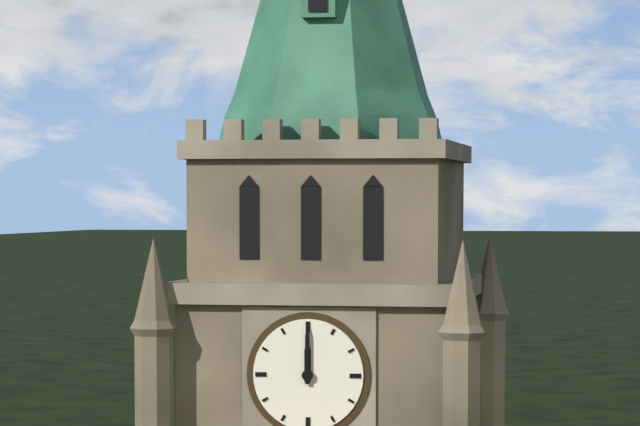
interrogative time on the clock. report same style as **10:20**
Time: **12:00**
